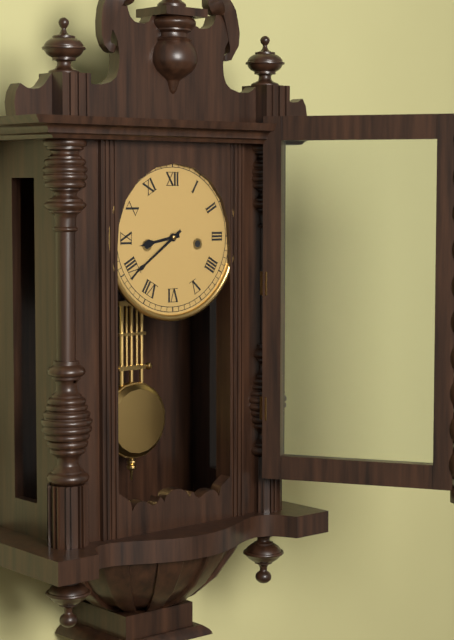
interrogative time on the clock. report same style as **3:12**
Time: **8:39**
